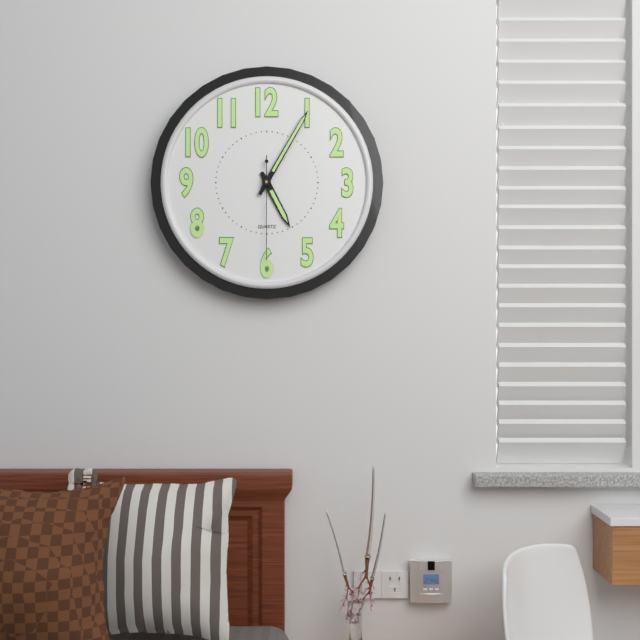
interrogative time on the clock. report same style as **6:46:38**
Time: **5:05:30**
